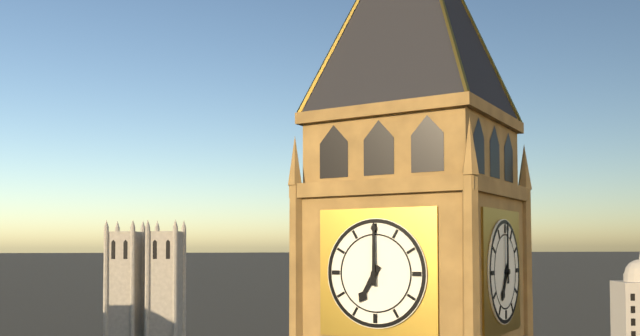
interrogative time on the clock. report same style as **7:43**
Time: **7:00**
